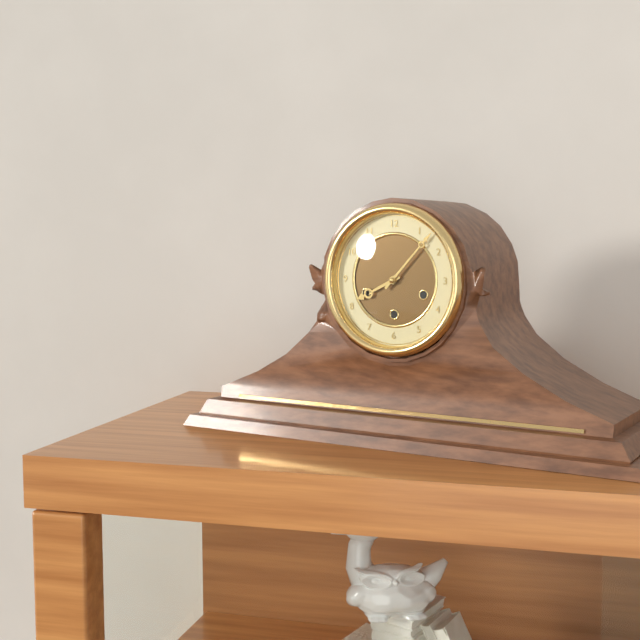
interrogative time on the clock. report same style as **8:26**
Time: **8:07**
